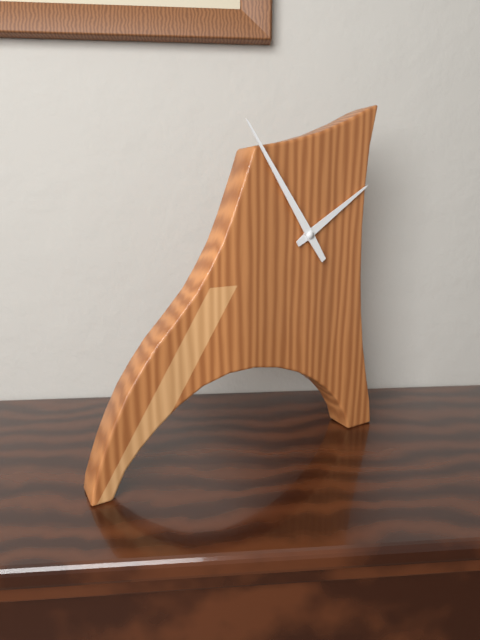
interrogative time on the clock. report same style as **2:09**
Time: **1:54**
